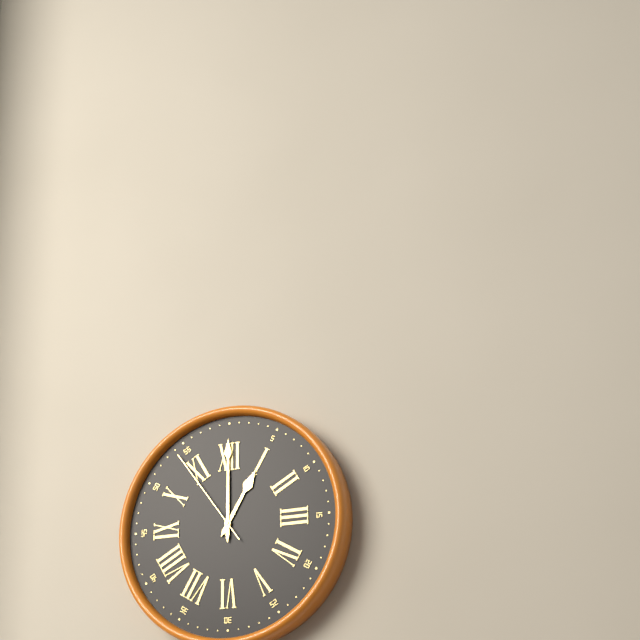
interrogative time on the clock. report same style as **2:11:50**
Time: **1:00:54**
